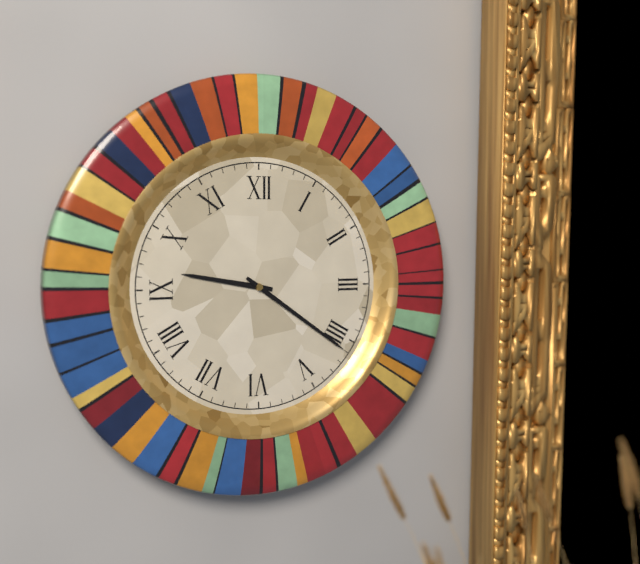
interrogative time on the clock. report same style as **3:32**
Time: **9:21**
